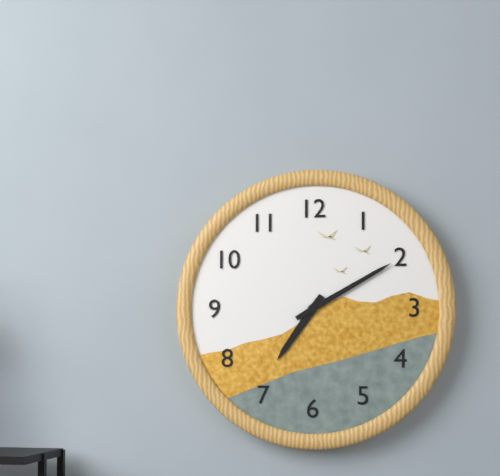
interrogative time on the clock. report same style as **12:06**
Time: **7:10**
